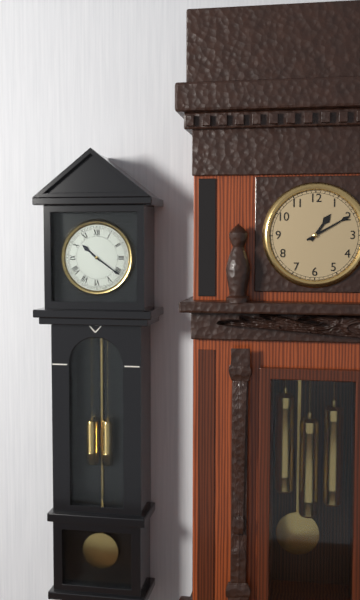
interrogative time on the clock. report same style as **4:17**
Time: **10:21**
